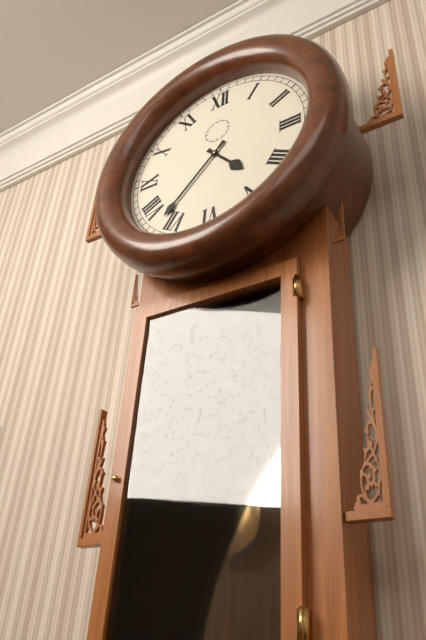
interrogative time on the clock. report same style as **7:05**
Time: **4:37**
